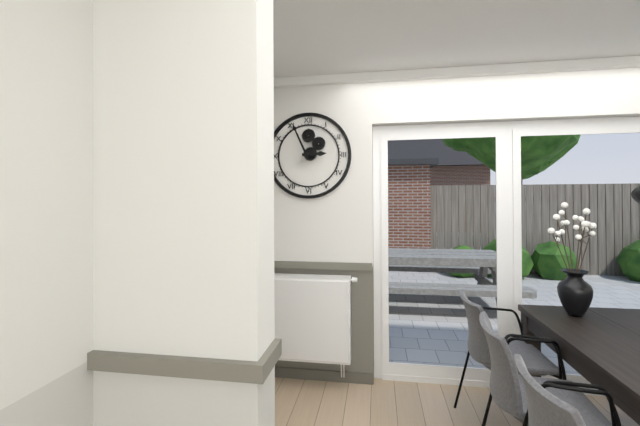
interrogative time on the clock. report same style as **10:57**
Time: **2:56**
